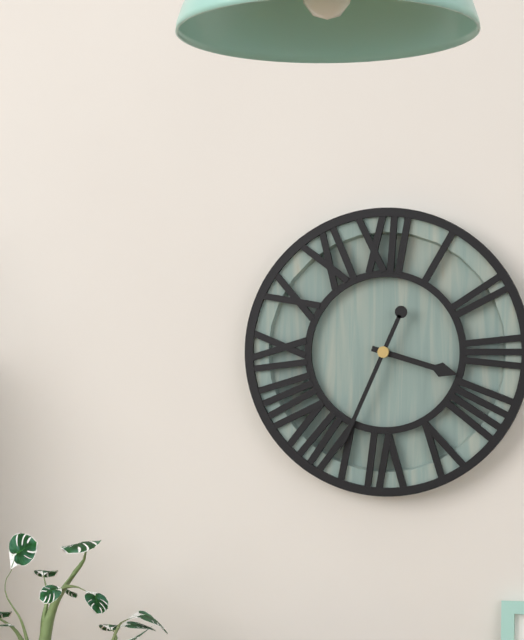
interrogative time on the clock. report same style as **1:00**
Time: **3:34**
